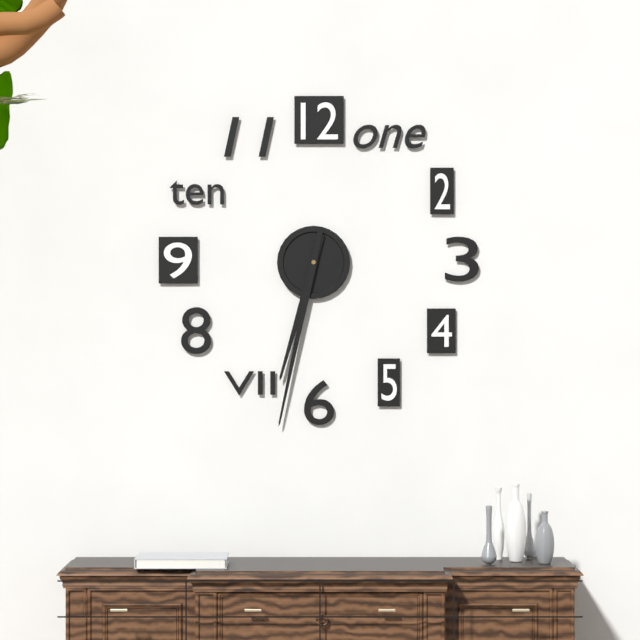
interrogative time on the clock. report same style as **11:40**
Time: **6:32**
